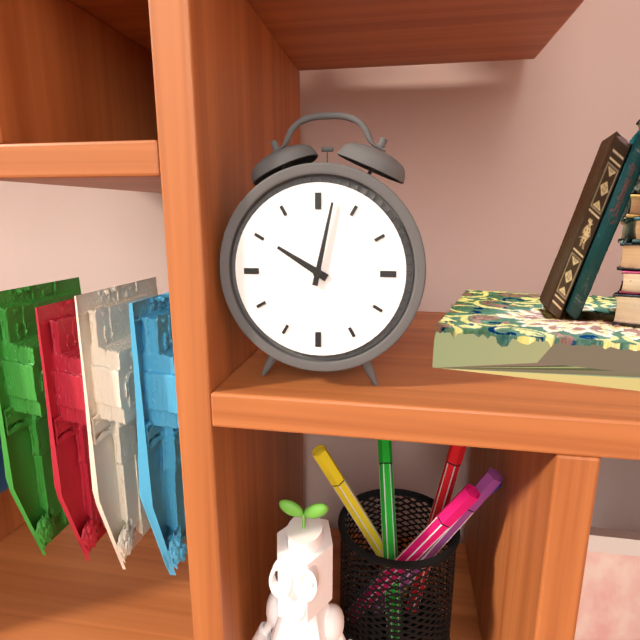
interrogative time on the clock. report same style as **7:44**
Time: **10:02**
